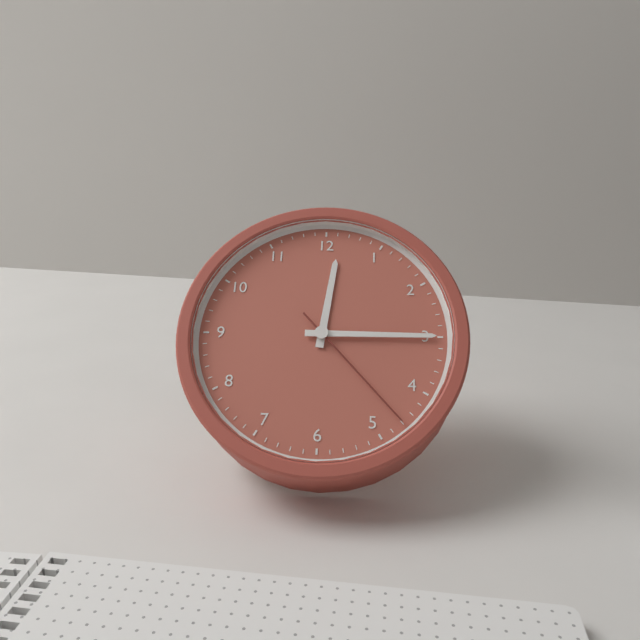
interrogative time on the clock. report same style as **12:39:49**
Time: **12:15:23**
